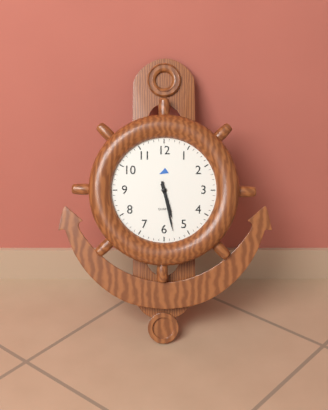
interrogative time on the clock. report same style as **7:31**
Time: **5:28**
